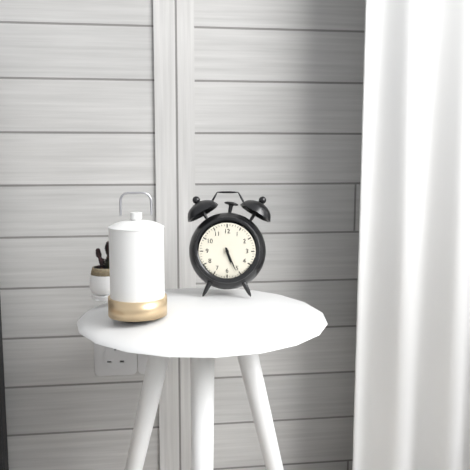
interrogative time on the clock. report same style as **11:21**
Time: **5:26**
